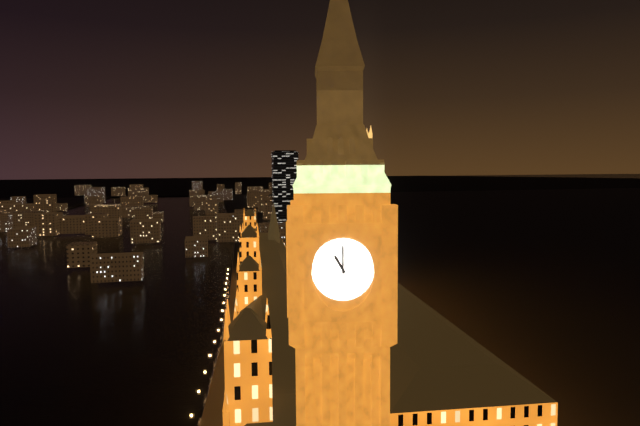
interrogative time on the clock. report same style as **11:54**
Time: **11:00**
